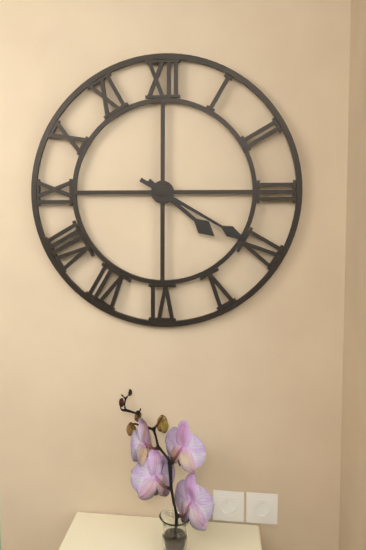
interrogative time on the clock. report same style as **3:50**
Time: **4:20**
